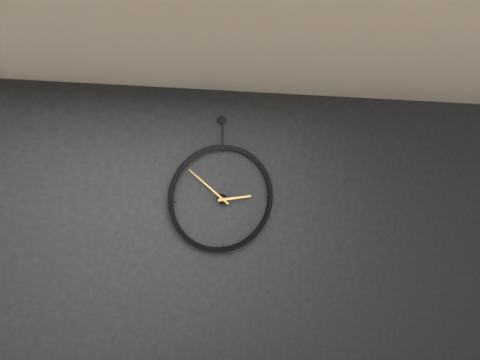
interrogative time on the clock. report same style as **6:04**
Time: **2:52**
